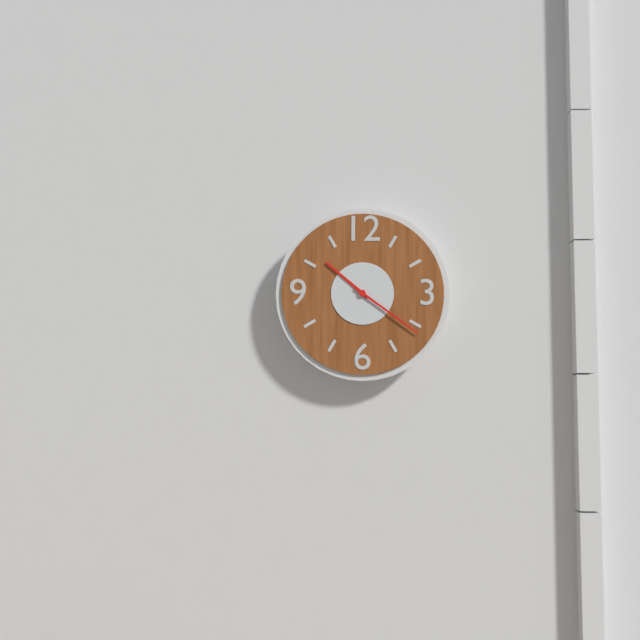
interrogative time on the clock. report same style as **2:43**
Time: **10:21**
